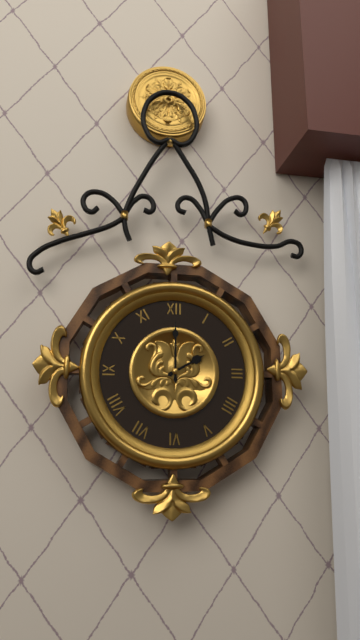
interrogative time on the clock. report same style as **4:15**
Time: **2:00**
